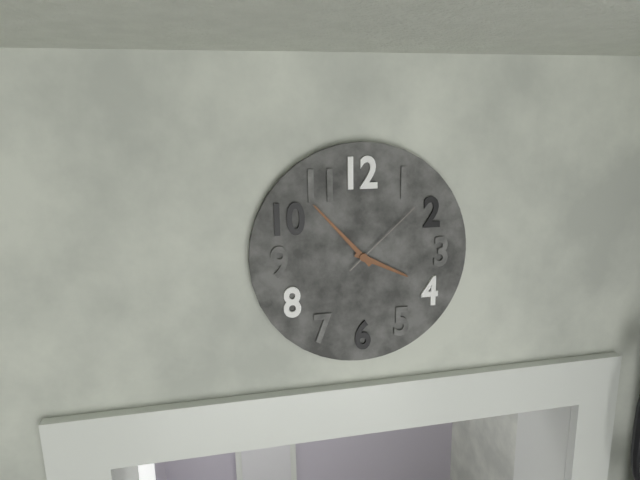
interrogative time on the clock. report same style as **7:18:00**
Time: **3:53:08**
